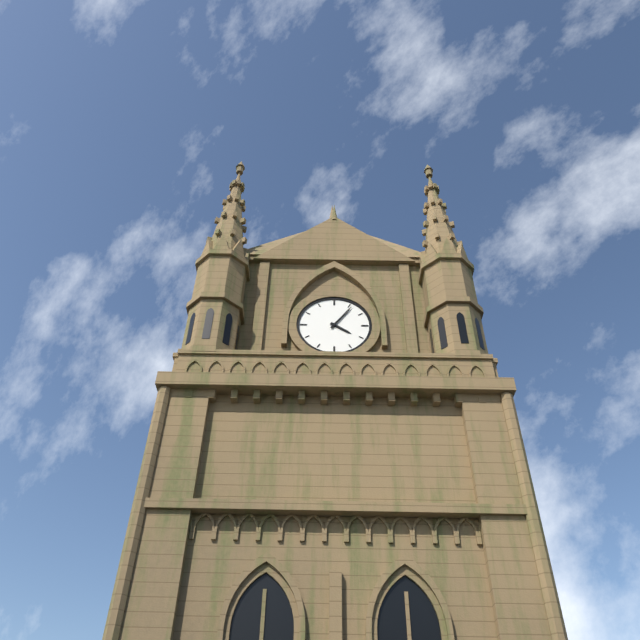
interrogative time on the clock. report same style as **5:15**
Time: **4:06**
